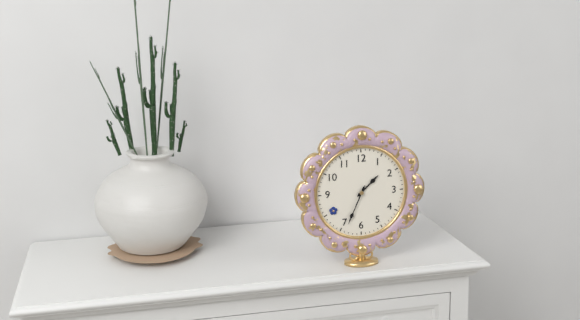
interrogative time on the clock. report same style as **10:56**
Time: **1:34**
